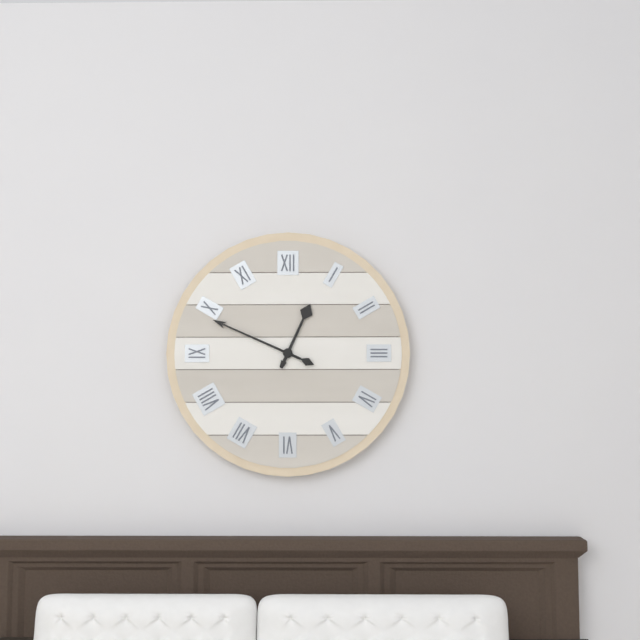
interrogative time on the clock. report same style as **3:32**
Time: **12:49**
